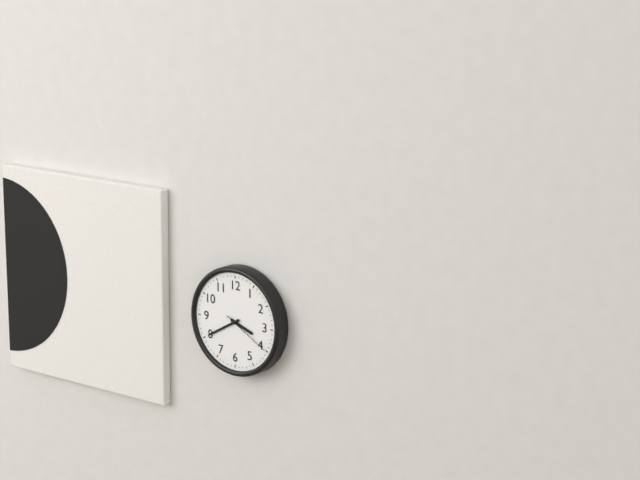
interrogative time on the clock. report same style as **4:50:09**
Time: **3:40:20**
